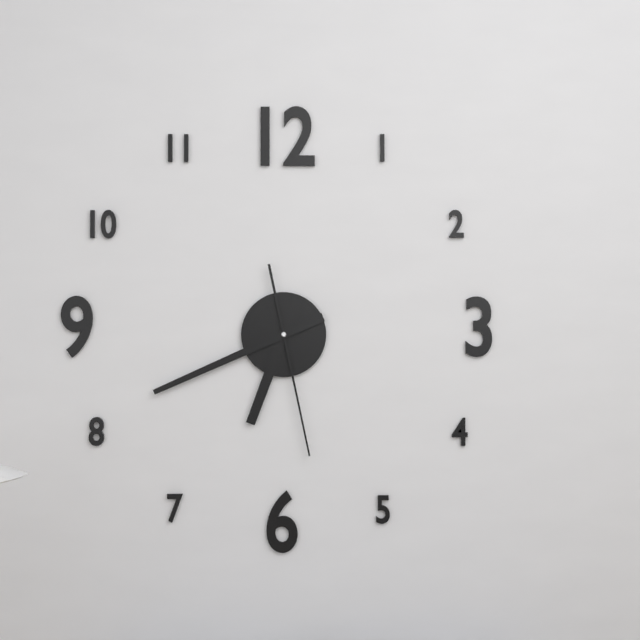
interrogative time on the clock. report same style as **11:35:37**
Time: **6:41:28**
